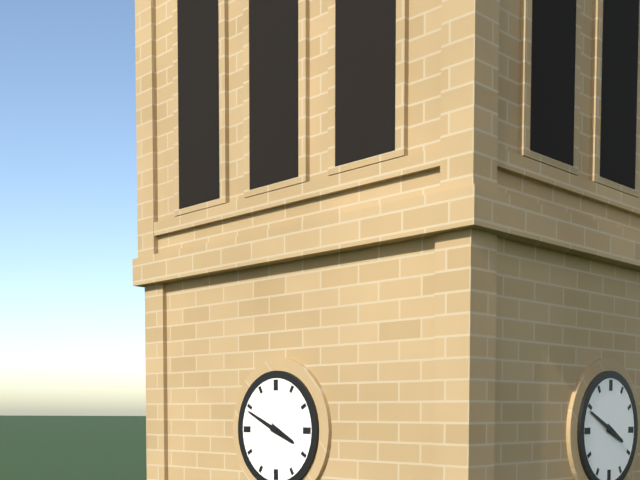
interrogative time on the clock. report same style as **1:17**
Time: **3:49**
